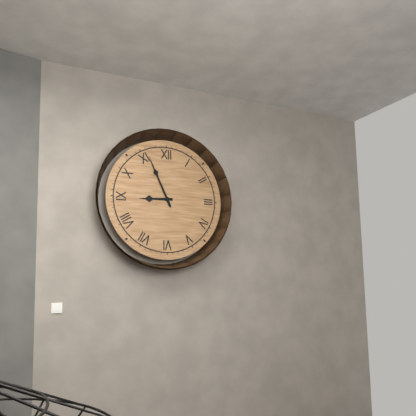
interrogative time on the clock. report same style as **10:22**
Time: **8:56**
